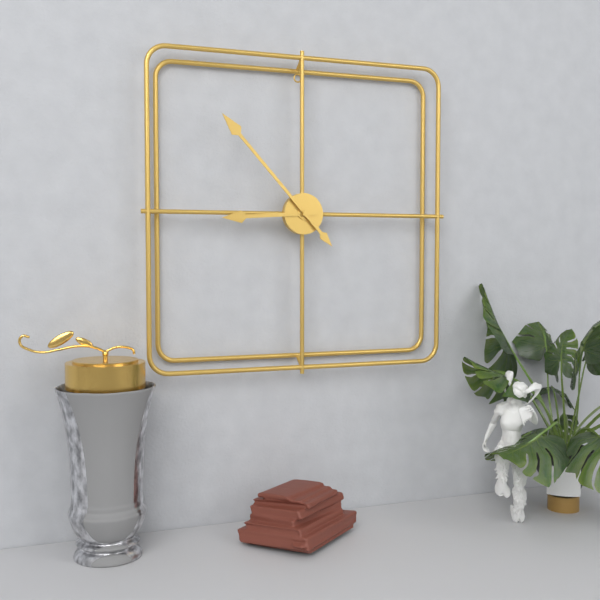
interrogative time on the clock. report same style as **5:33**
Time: **8:53**
